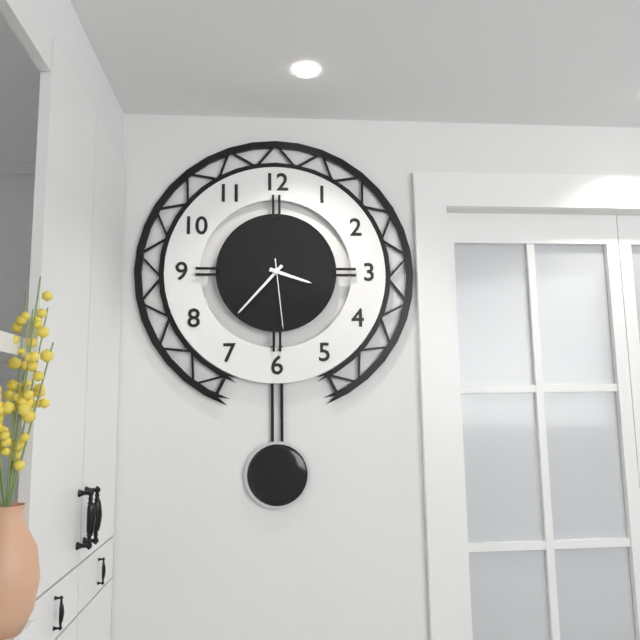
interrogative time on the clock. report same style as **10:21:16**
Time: **3:37:29**
